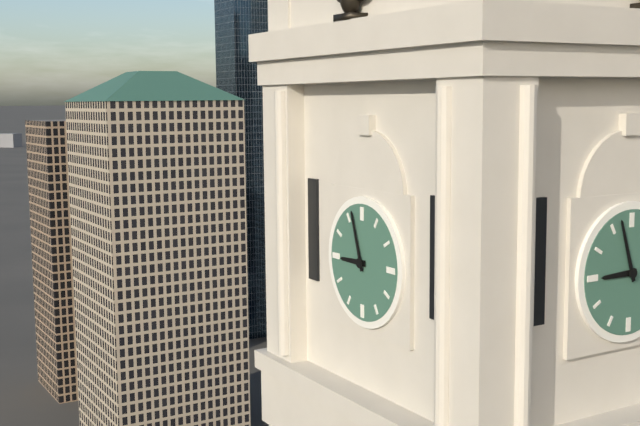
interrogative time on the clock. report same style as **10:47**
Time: **8:57**
